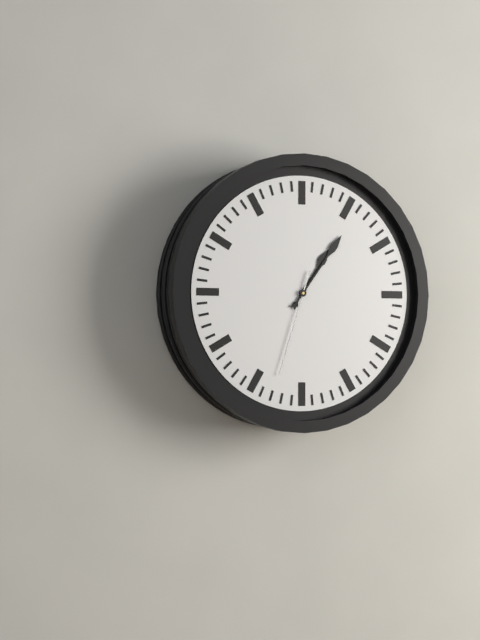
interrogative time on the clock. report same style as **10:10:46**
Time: **1:06:33**
